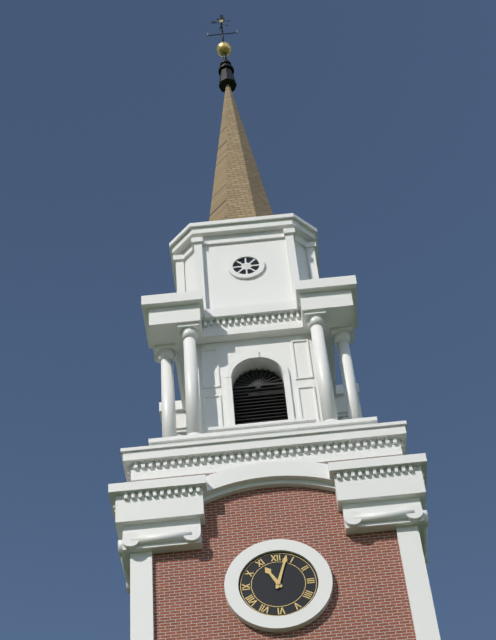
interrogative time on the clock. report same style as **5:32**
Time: **11:03**
